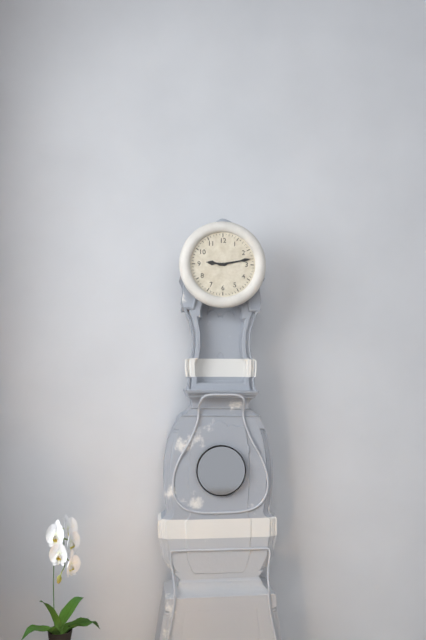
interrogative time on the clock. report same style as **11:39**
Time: **9:13**
